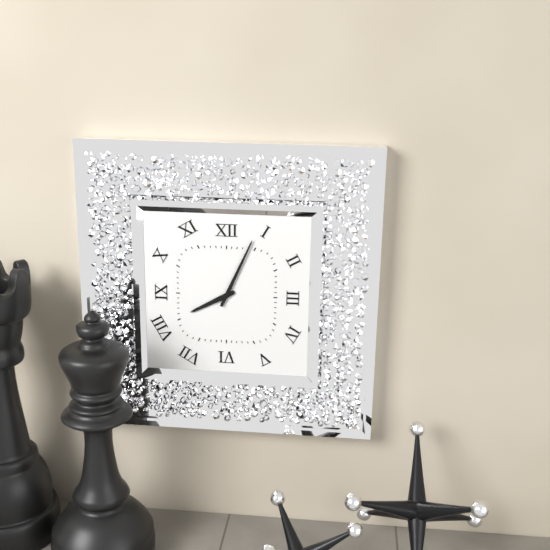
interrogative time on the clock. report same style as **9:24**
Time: **8:04**
